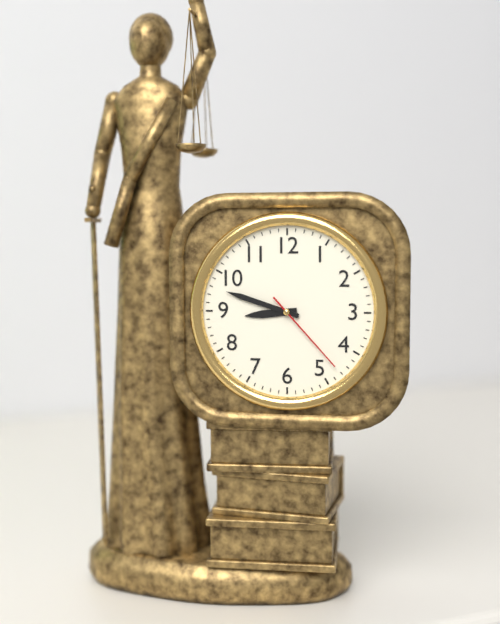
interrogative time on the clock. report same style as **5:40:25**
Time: **8:48:23**
